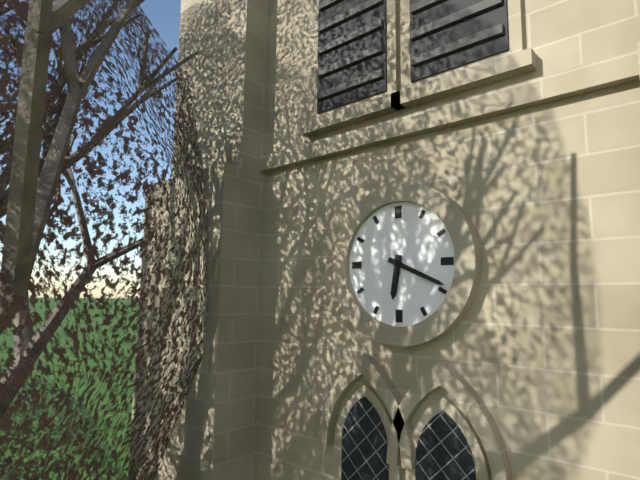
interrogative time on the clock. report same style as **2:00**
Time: **6:19**
